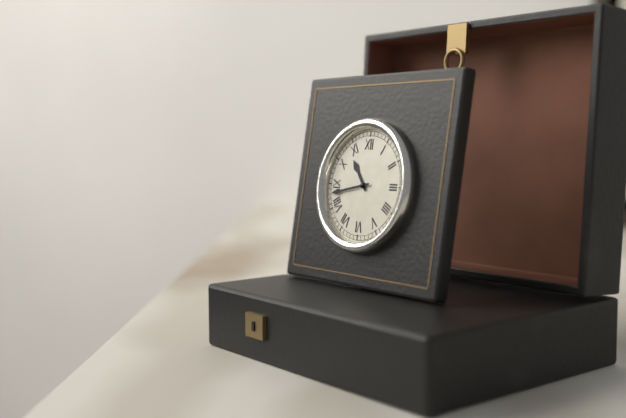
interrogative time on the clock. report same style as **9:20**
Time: **10:43**
